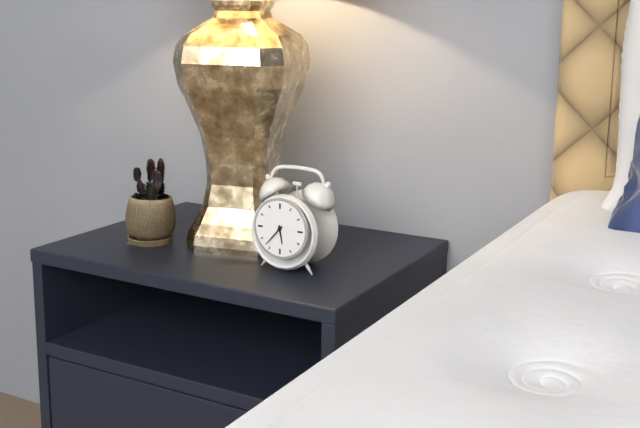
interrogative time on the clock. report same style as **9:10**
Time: **5:37**
